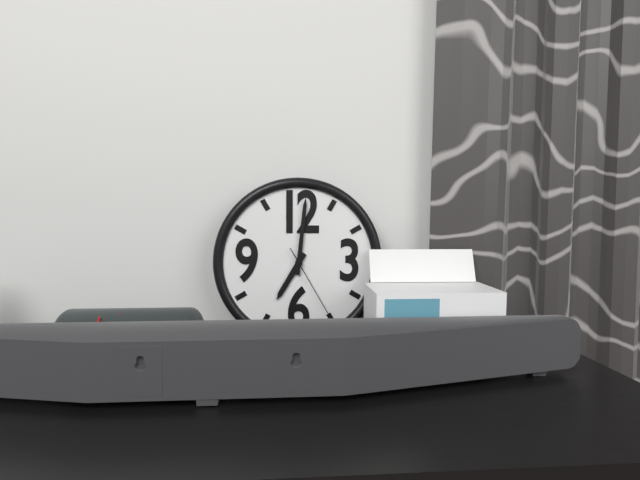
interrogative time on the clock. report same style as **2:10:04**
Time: **7:01:25**
